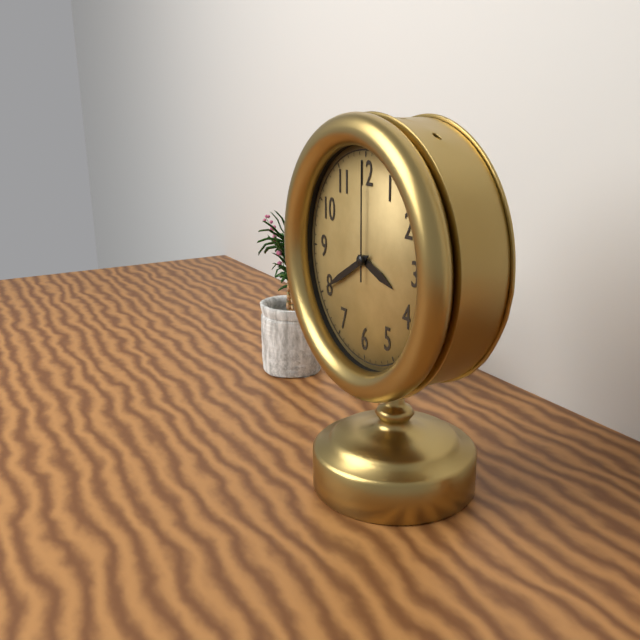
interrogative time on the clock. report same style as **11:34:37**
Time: **3:40:00**
